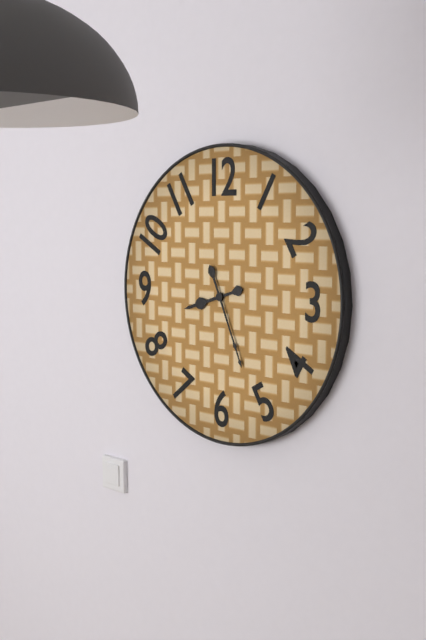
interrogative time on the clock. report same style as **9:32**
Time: **8:26**
